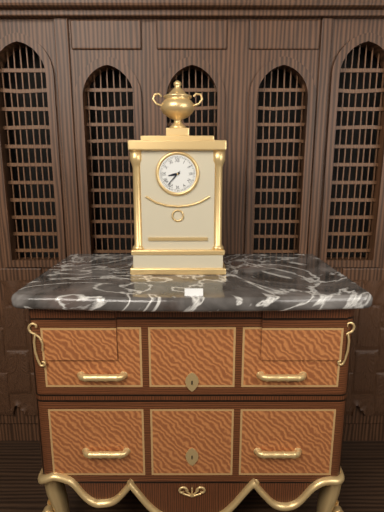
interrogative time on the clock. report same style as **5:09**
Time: **8:37**
